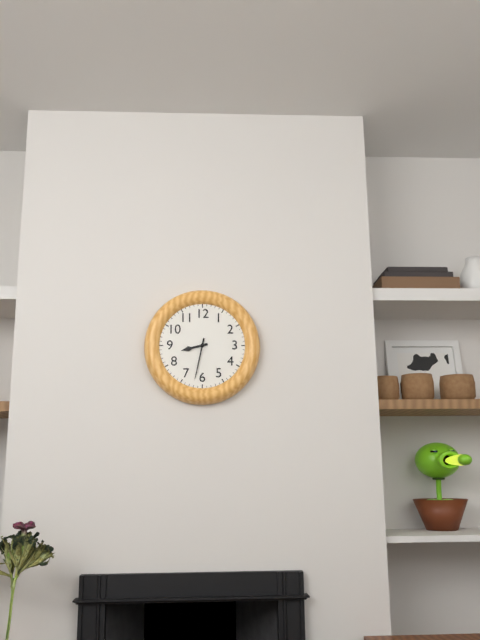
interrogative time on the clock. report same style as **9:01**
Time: **8:32**
